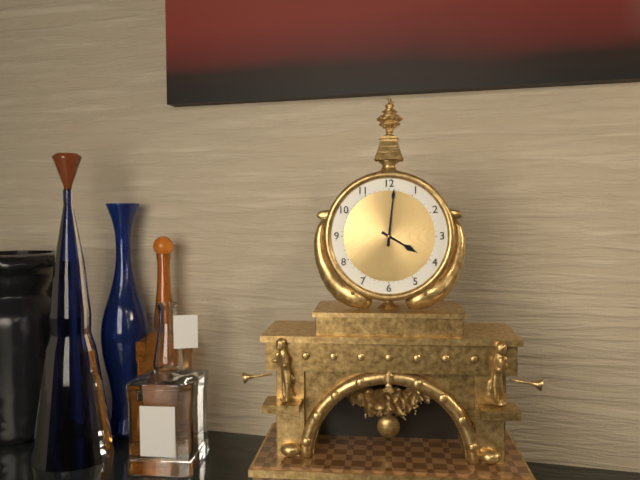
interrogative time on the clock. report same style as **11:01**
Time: **4:01**
